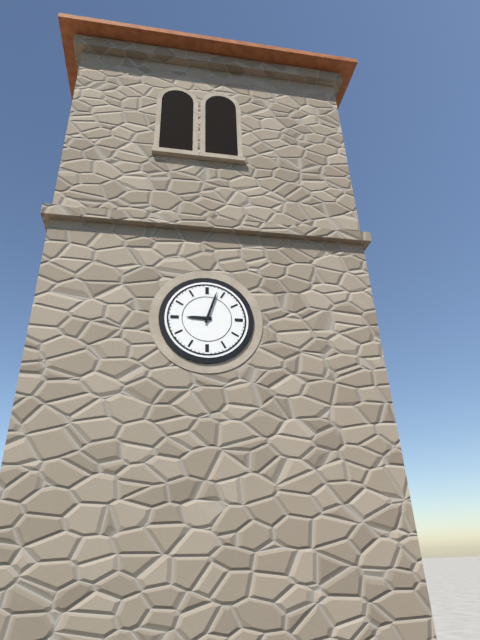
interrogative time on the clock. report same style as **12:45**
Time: **9:03**
